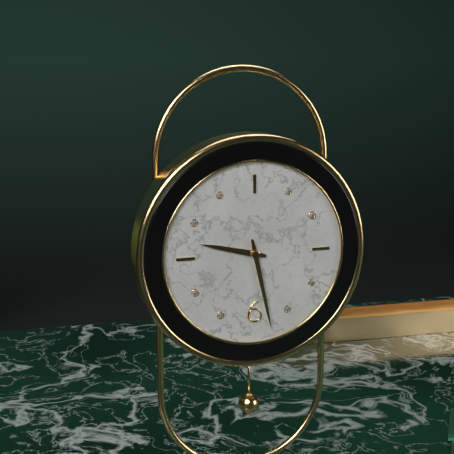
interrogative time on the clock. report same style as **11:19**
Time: **9:28**
